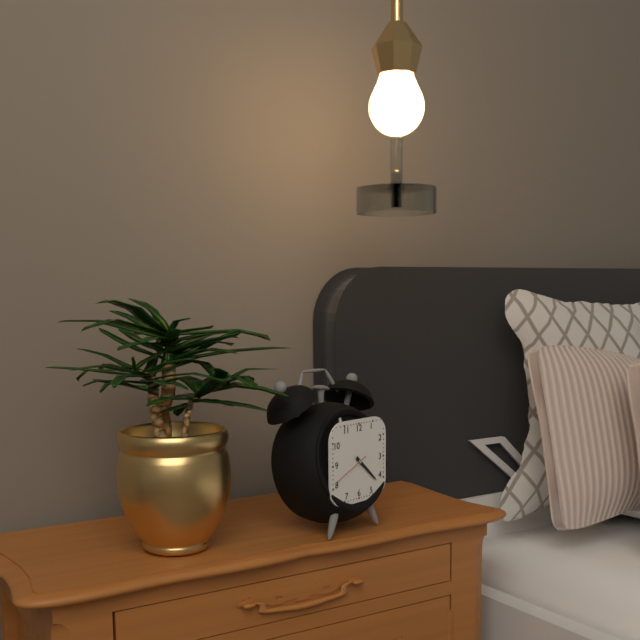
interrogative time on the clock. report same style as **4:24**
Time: **4:22**
